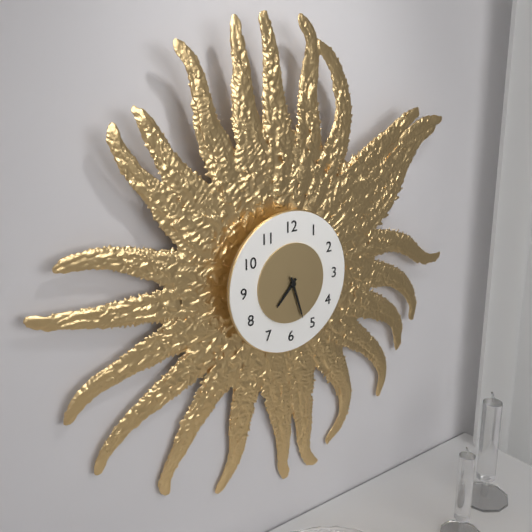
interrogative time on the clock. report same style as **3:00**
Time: **7:27**
